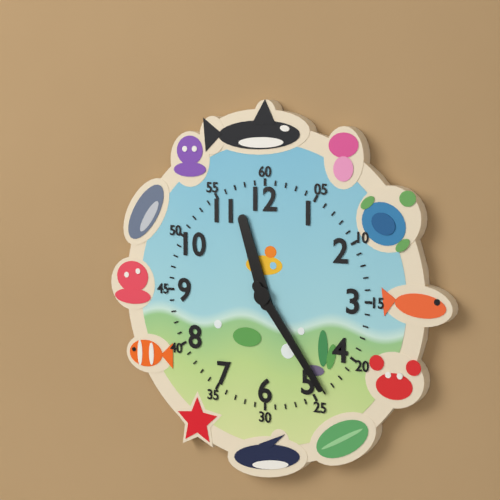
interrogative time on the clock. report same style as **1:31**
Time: **11:24**
